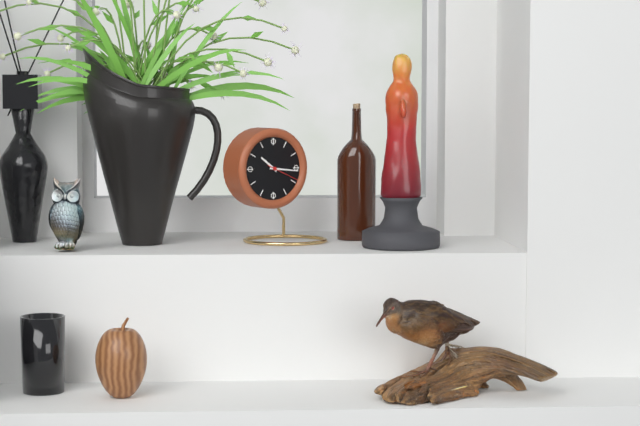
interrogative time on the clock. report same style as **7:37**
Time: **10:16**
